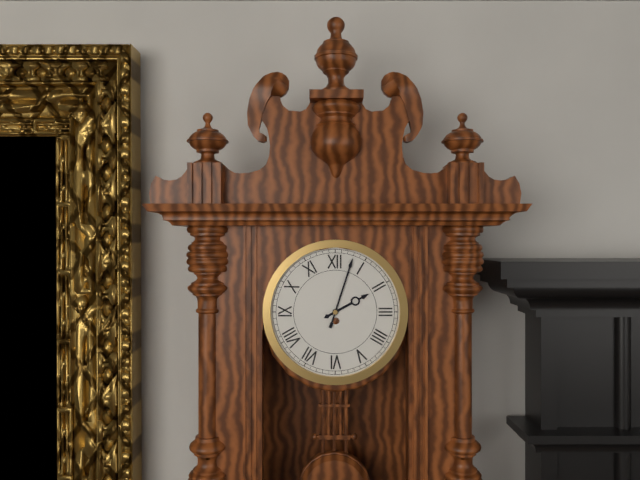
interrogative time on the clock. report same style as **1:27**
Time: **2:03**
